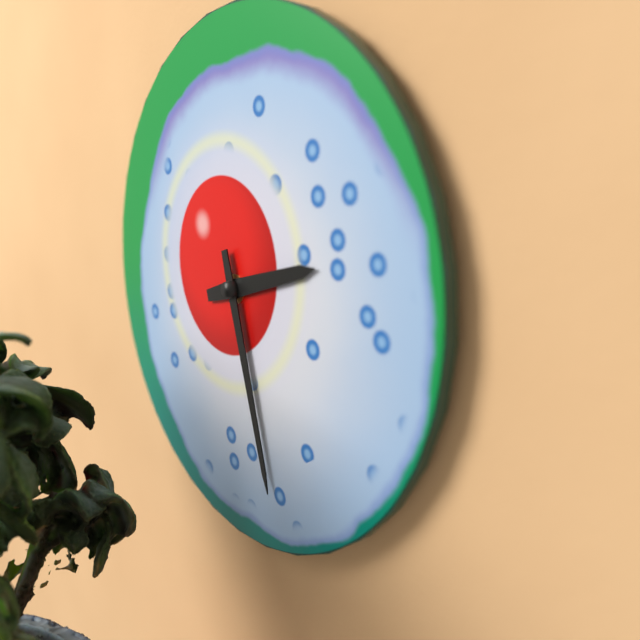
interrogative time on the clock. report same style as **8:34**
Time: **2:27**
